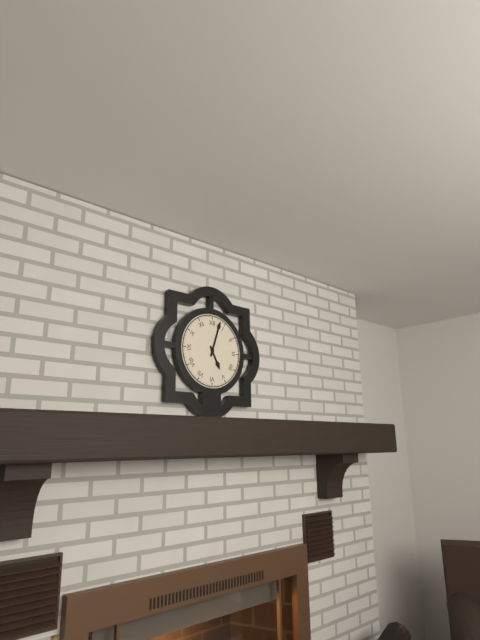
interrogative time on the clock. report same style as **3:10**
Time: **5:03**
